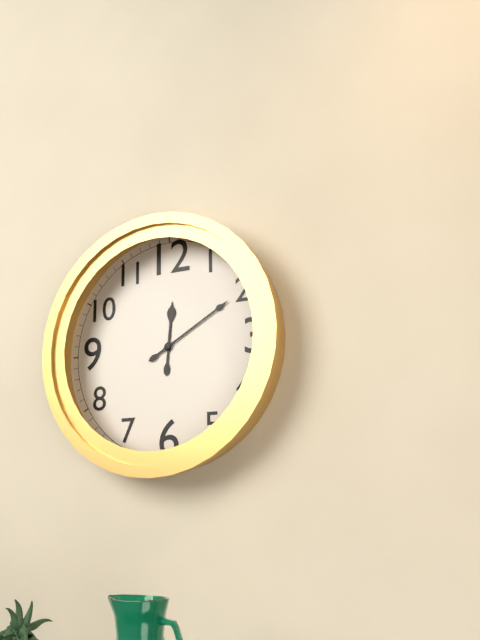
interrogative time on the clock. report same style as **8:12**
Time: **12:10**
